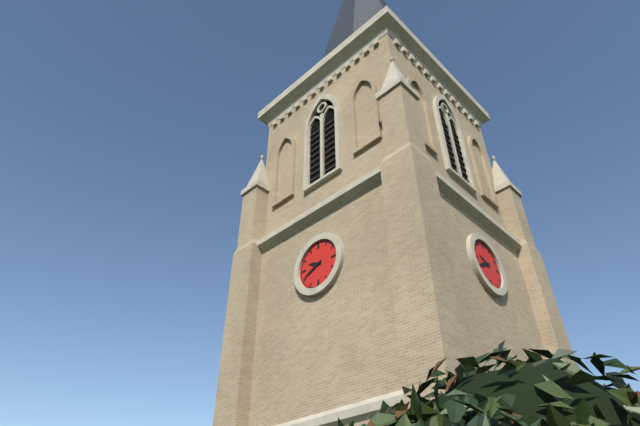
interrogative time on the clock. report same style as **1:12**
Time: **9:41**
